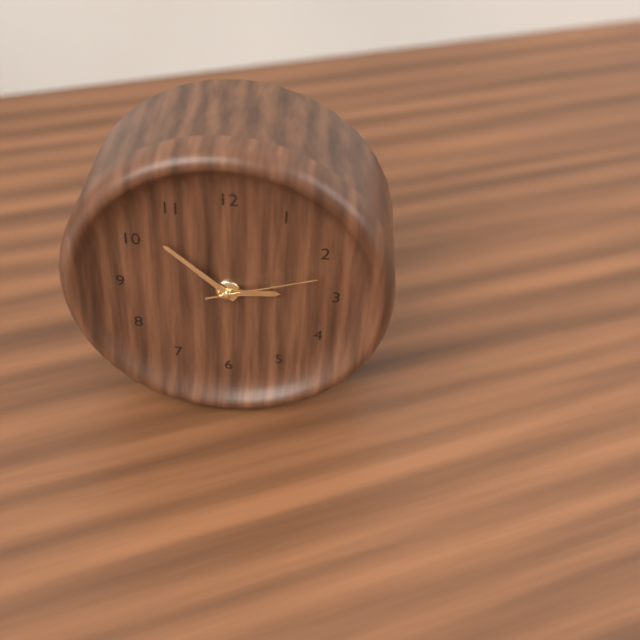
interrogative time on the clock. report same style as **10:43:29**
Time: **2:52:12**
